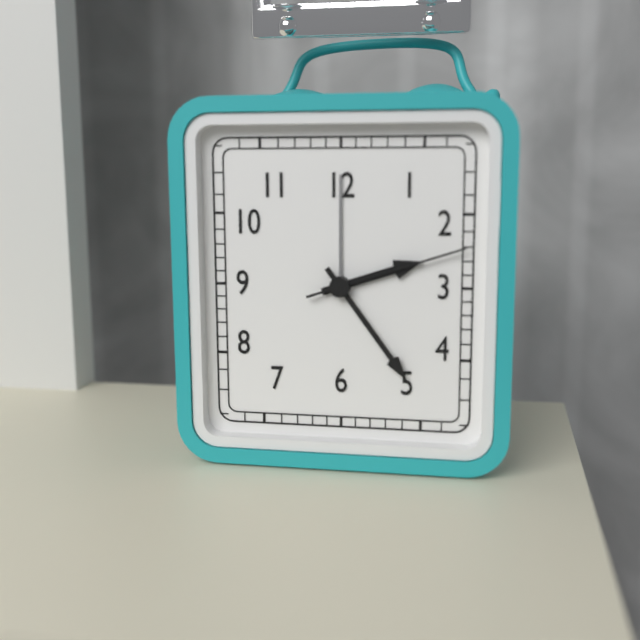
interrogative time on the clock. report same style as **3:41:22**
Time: **2:24:12**
